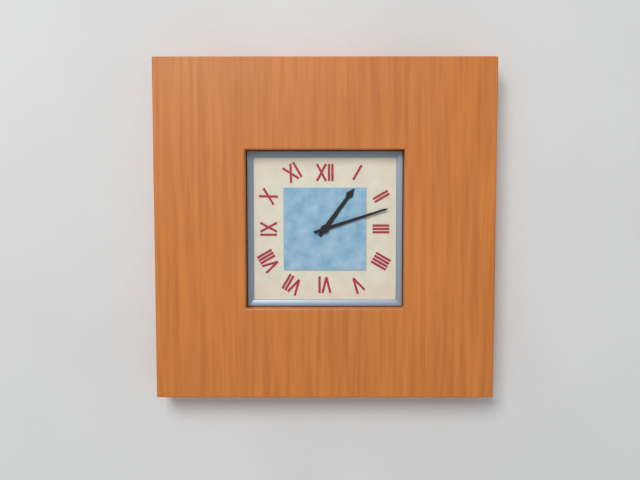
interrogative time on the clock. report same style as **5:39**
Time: **1:12**
